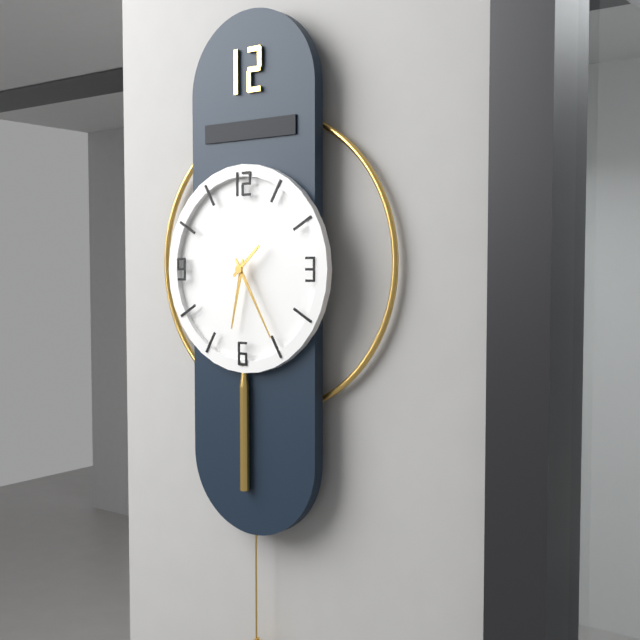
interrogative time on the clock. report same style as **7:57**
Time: **6:25**
